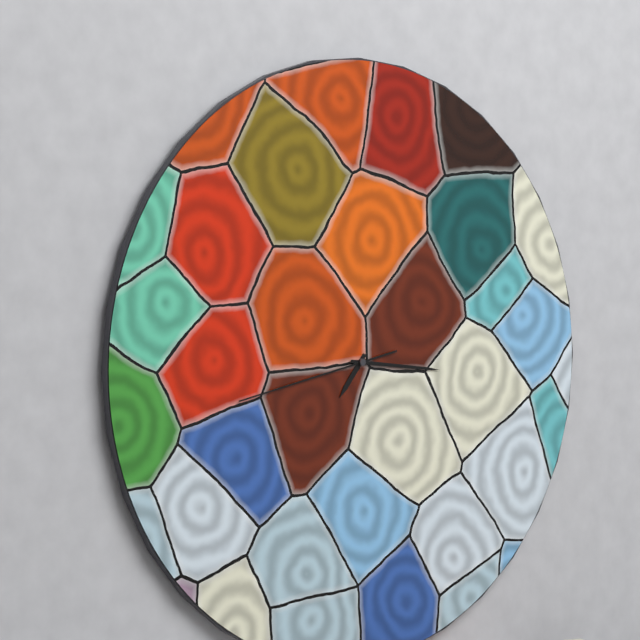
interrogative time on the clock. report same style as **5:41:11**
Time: **7:16:43**
